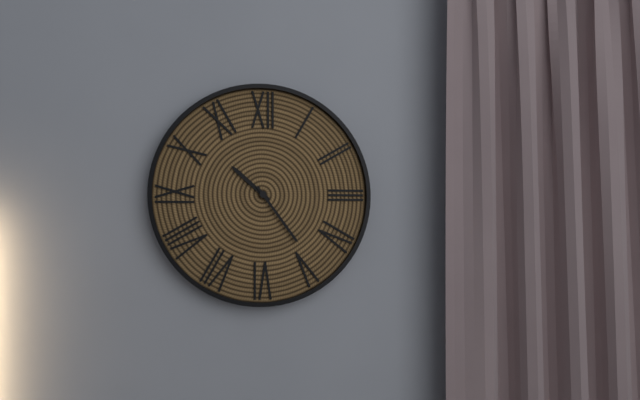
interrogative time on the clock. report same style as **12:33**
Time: **10:24**
